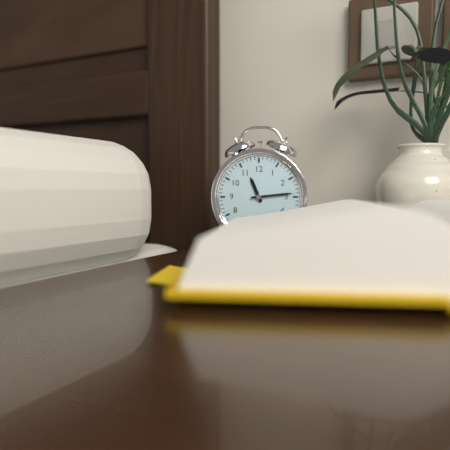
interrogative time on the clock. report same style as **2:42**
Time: **11:14**
